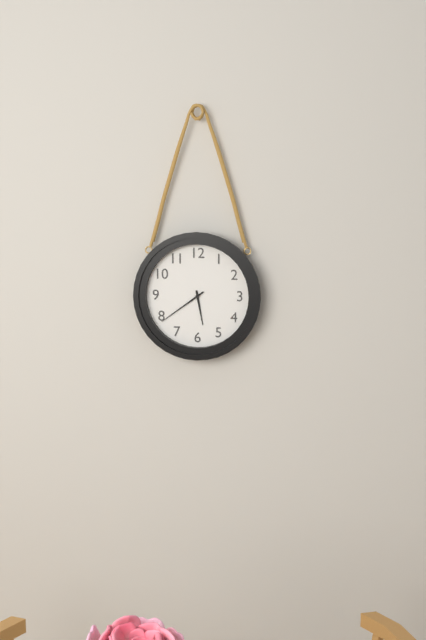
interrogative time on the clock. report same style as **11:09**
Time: **5:39**
